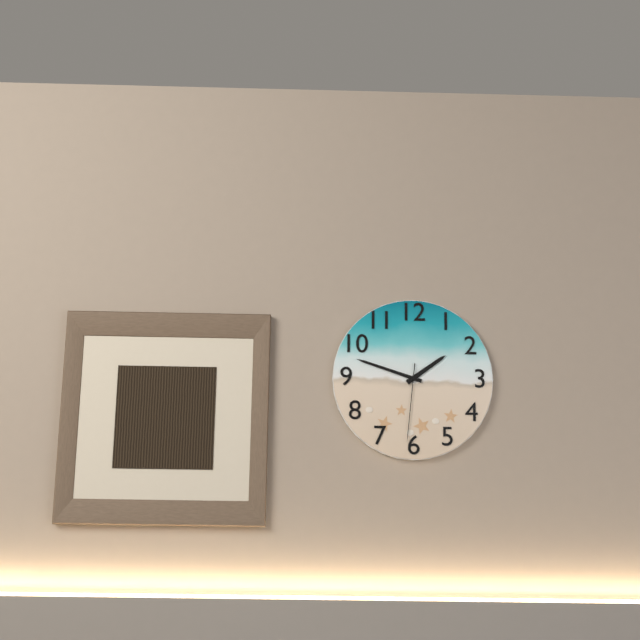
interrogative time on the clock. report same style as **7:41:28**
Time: **1:48:31**
